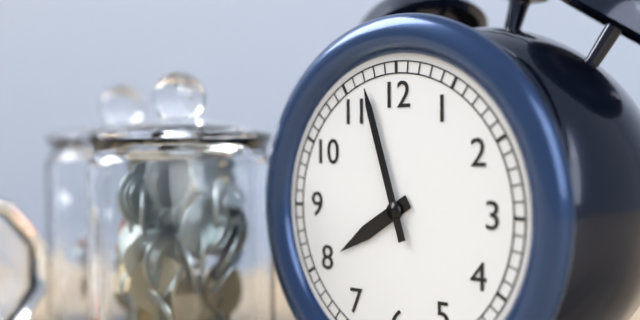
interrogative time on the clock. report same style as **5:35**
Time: **7:57**
